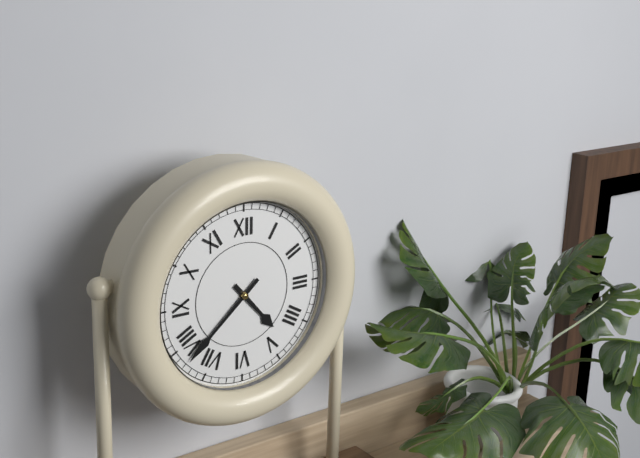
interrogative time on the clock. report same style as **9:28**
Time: **4:38**
